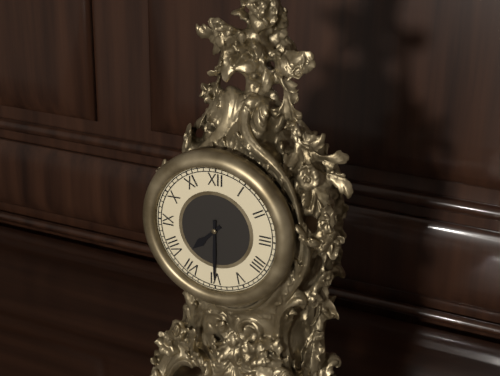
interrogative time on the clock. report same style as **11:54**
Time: **7:30**
